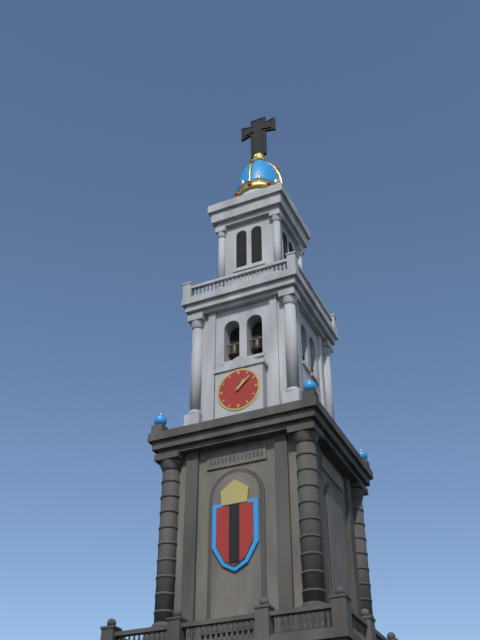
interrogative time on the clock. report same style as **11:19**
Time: **1:08**
